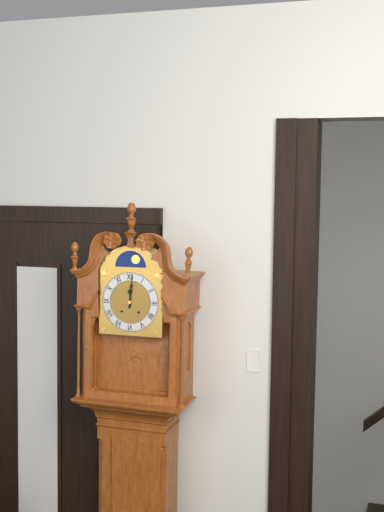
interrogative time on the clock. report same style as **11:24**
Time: **12:01**
